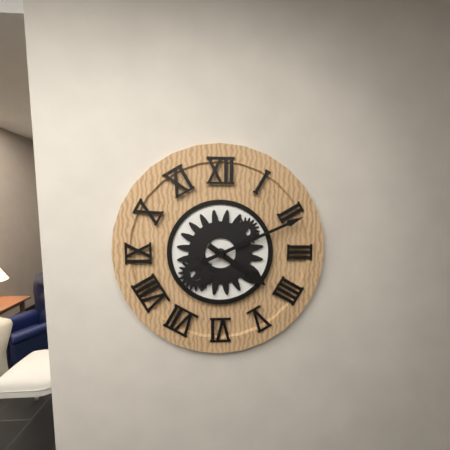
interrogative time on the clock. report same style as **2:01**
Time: **4:11**
